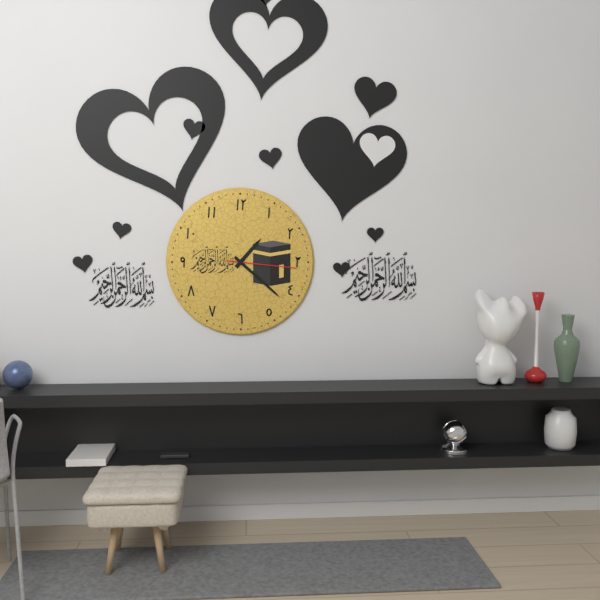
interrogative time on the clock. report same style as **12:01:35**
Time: **1:22:16**
